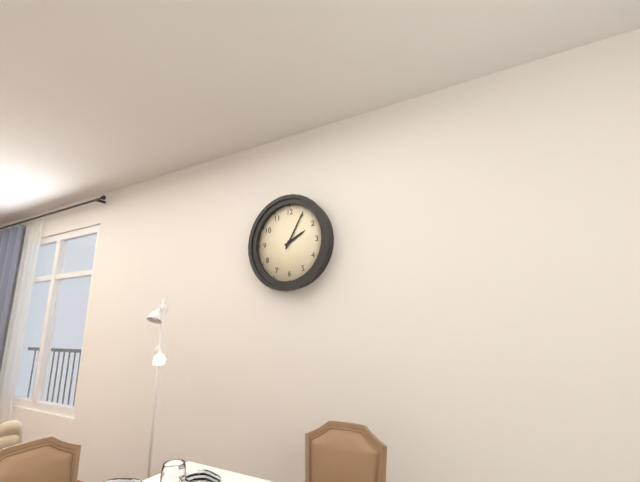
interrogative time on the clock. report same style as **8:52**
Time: **2:05**
